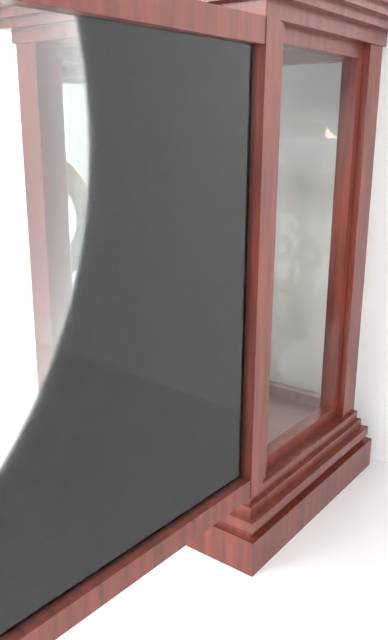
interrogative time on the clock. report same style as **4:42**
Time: **12:45**
